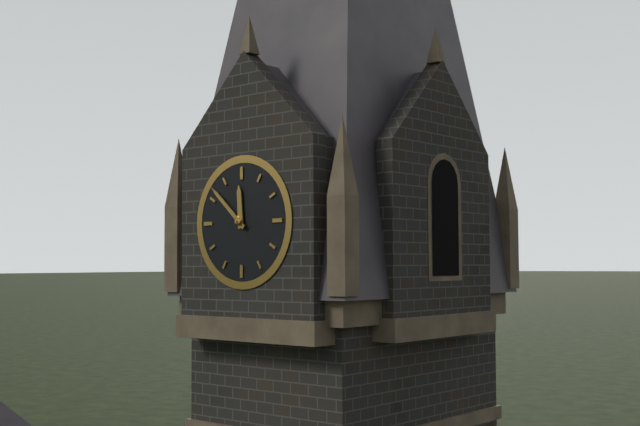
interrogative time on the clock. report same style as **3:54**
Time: **11:52**
